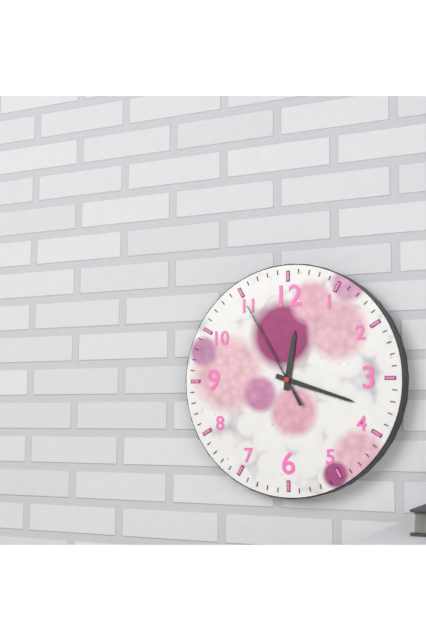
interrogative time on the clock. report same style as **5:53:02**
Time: **12:18:55**
